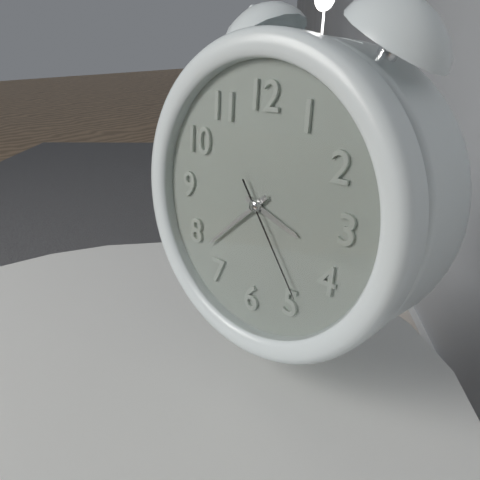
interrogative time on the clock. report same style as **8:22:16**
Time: **3:38:24**
